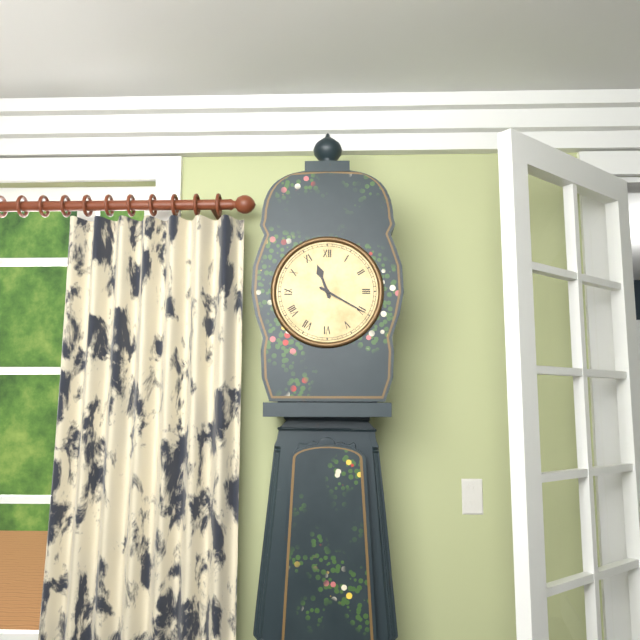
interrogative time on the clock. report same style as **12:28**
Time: **11:20**
